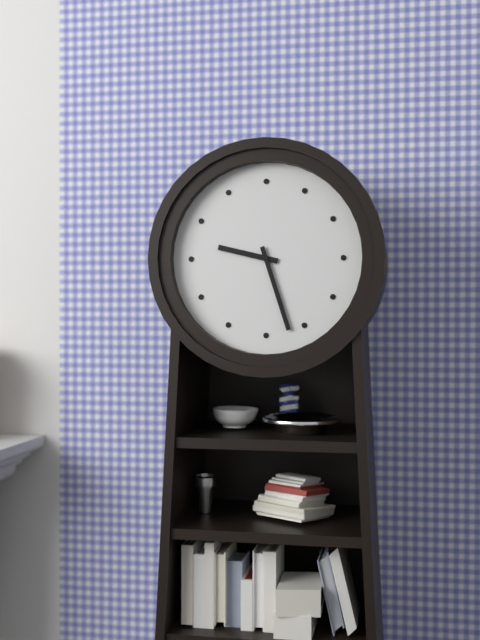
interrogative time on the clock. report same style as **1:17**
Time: **9:27**
